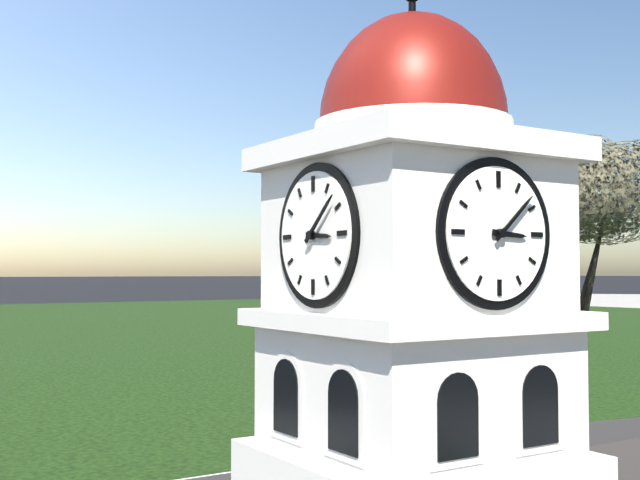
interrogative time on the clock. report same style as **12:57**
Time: **3:08**
